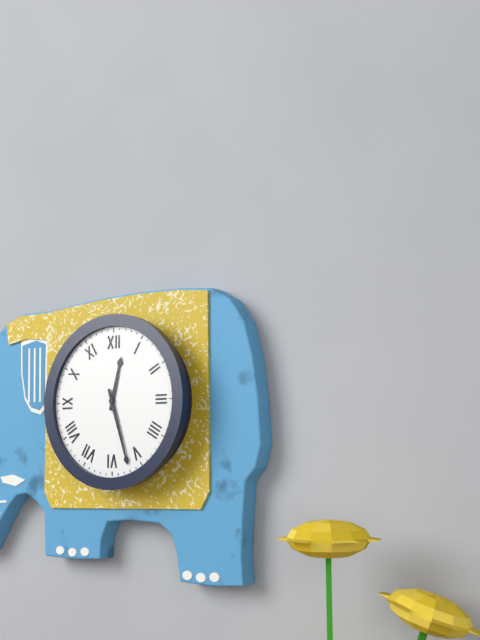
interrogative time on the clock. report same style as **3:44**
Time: **12:27**
